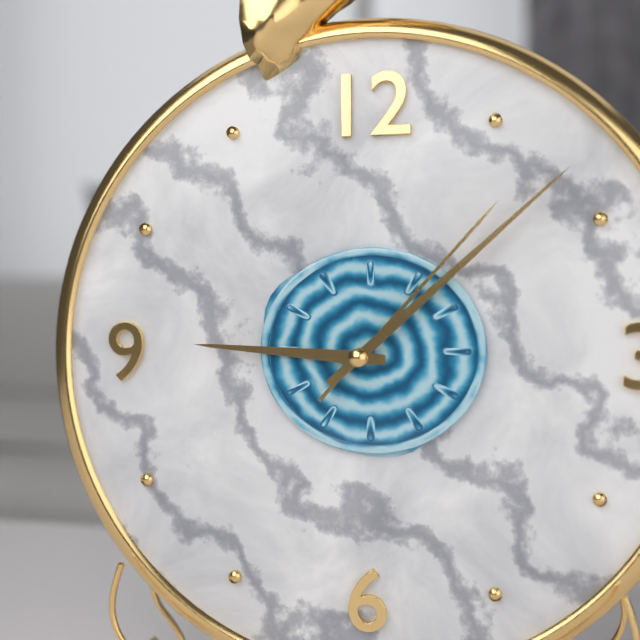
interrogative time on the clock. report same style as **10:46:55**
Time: **9:08:07**
